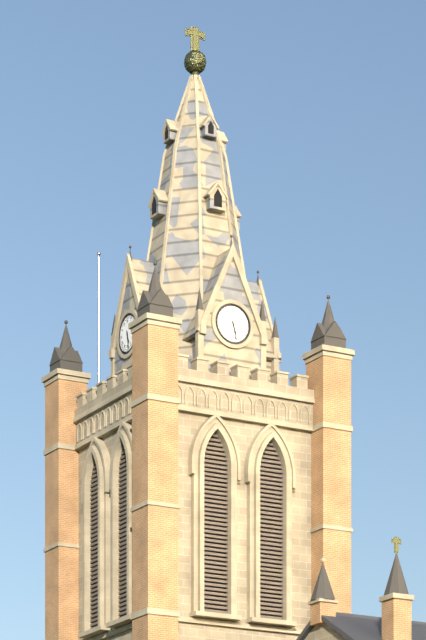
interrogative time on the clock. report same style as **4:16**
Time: **5:28**
